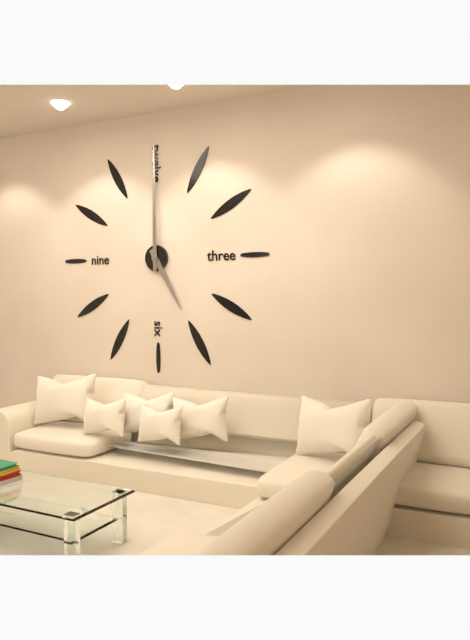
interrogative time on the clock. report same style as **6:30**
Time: **5:00**
